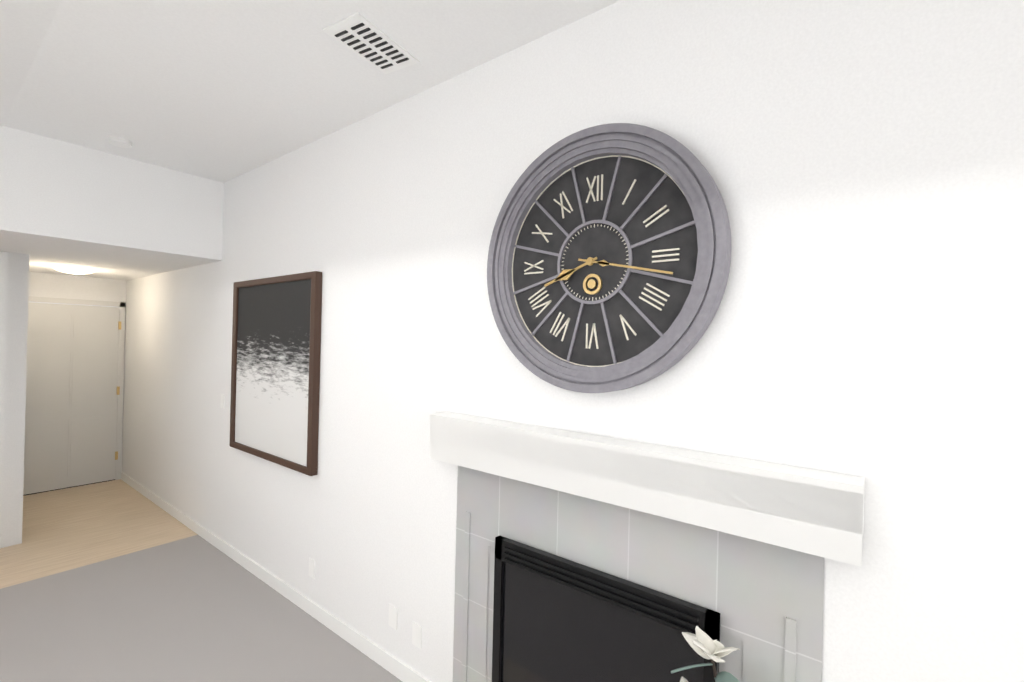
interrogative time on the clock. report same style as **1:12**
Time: **8:17**
